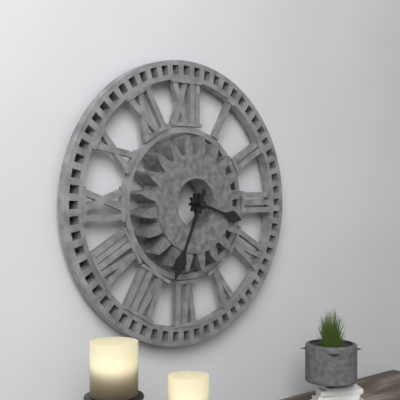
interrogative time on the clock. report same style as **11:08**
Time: **3:34**
